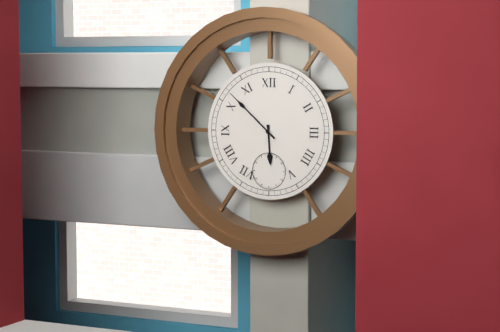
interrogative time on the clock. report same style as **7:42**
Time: **5:52**
